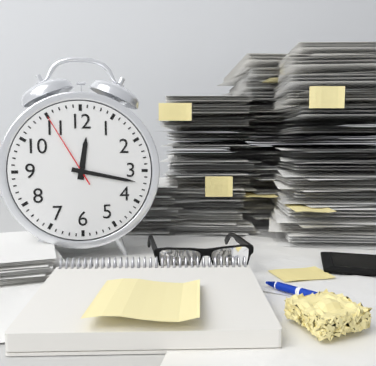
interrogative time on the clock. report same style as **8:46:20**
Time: **12:17:55**
